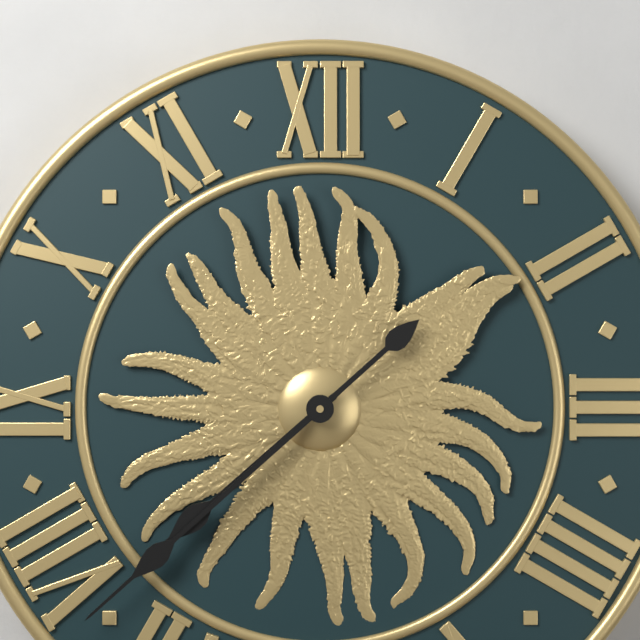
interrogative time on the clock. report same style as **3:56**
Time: **7:38**
